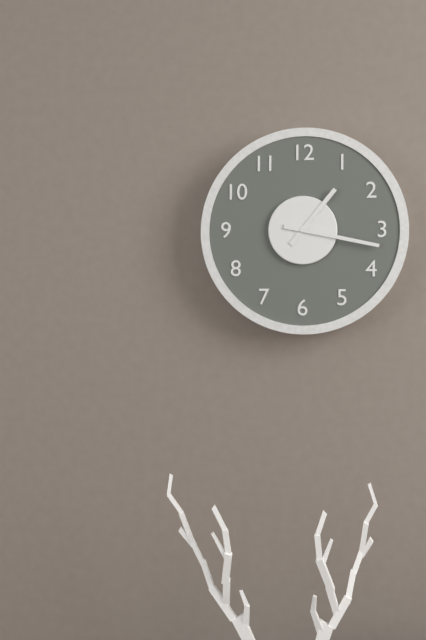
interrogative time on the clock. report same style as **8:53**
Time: **1:17**
